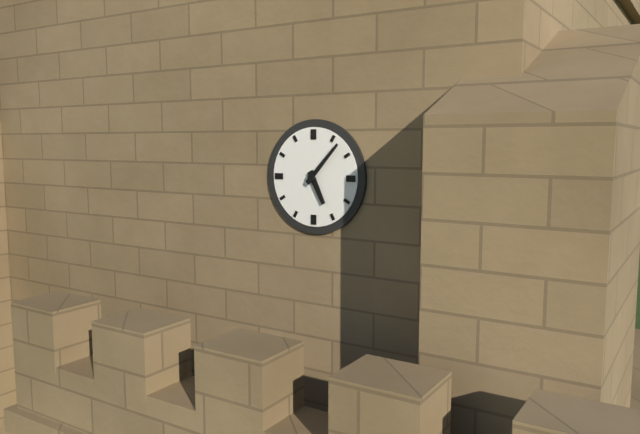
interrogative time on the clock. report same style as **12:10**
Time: **5:07**
